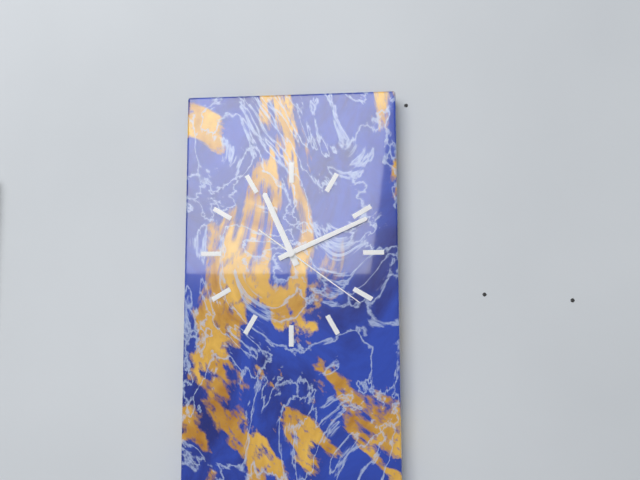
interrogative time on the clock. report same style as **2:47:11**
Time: **11:11:21**
